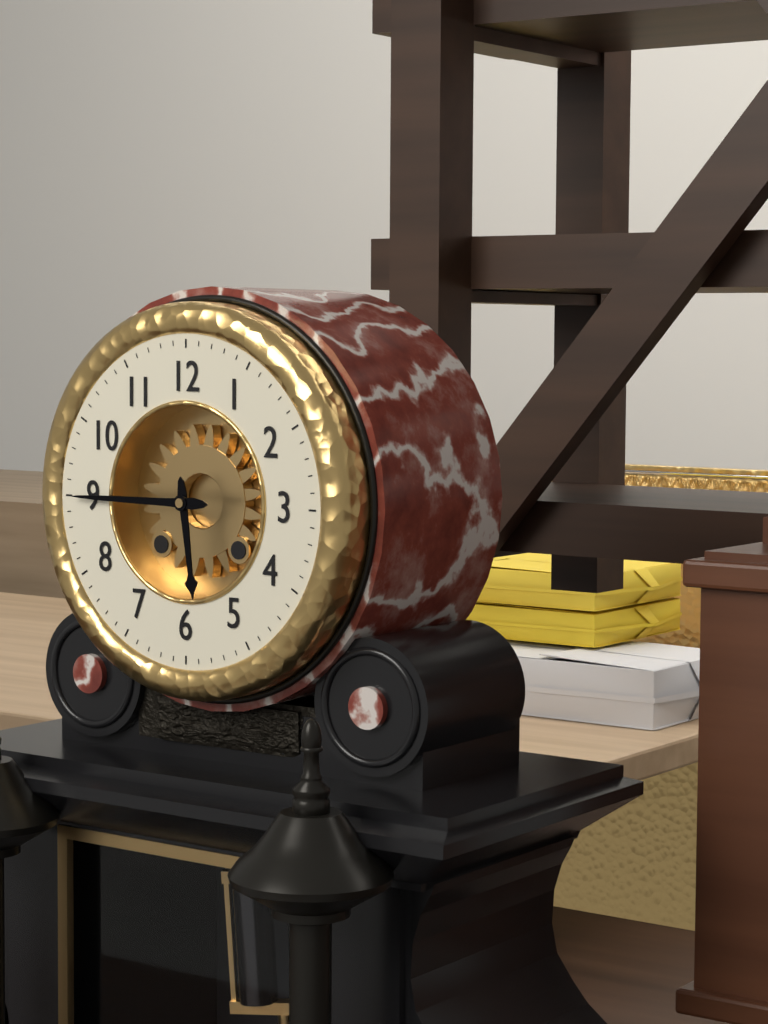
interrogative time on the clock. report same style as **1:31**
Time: **5:45**
